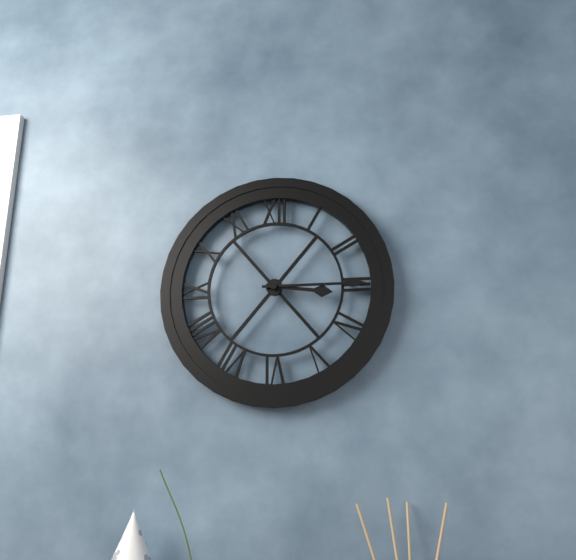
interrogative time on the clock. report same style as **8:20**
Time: **3:15**
